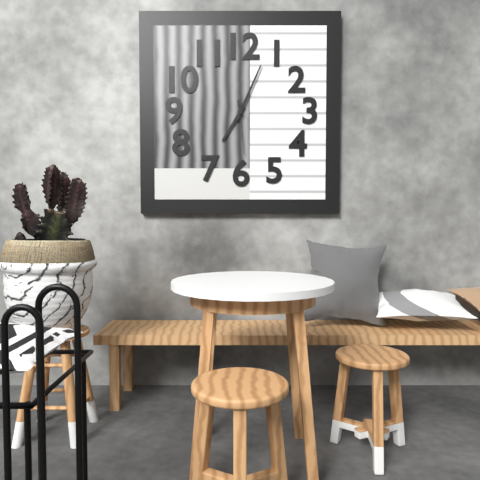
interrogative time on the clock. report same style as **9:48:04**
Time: **7:04:29**
